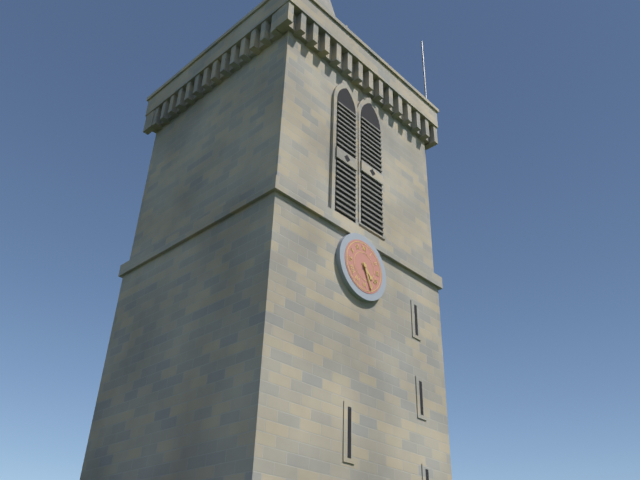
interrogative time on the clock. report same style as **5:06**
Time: **4:26**
